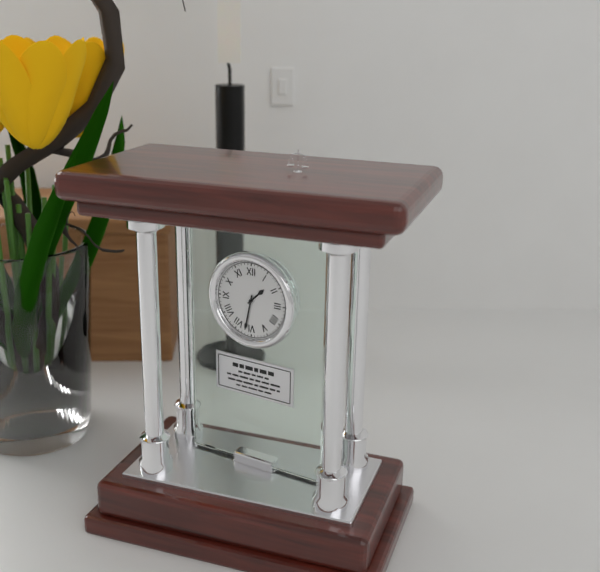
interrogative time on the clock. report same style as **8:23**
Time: **1:32**
